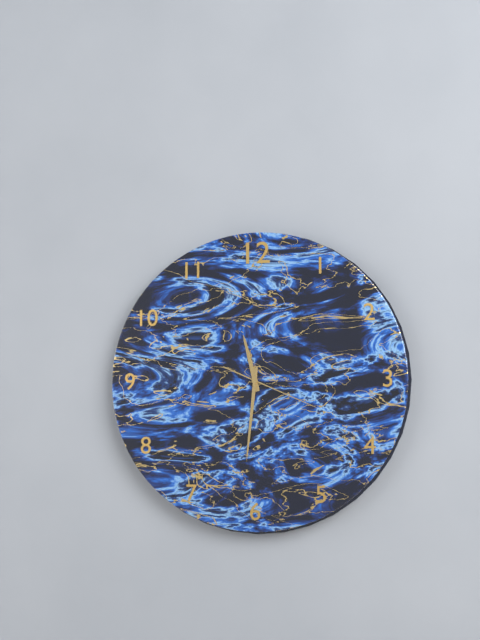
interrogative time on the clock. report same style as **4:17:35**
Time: **11:31:19**
